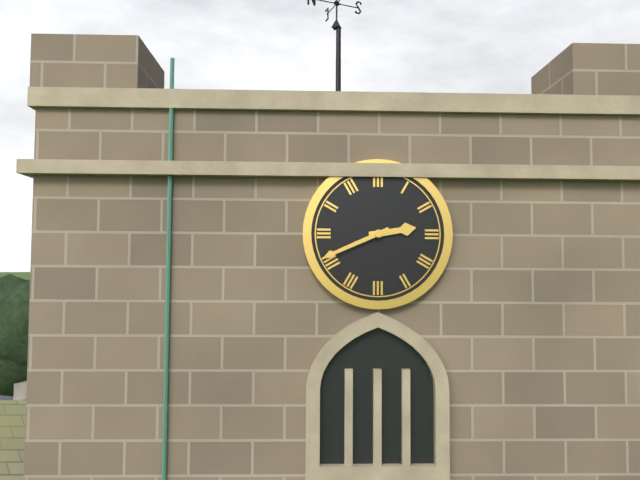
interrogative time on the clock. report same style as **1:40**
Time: **2:41**
